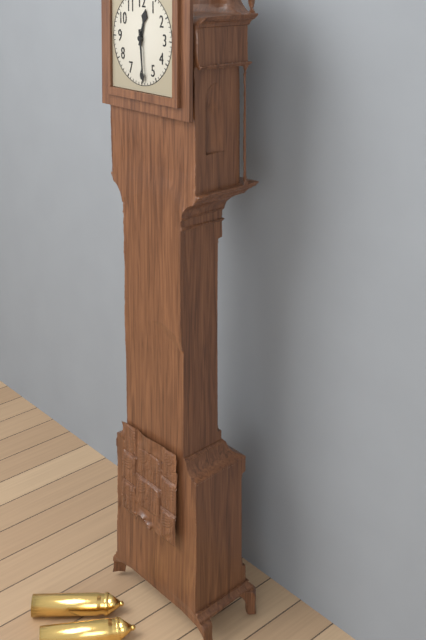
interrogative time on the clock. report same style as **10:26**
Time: **12:29**
